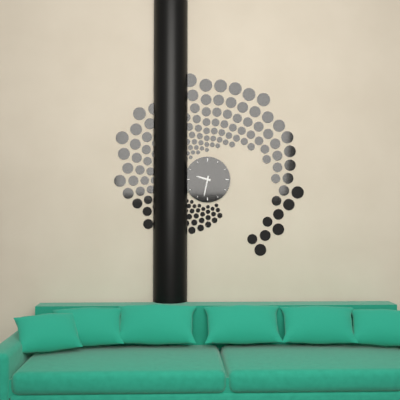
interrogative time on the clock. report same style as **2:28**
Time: **9:32**
